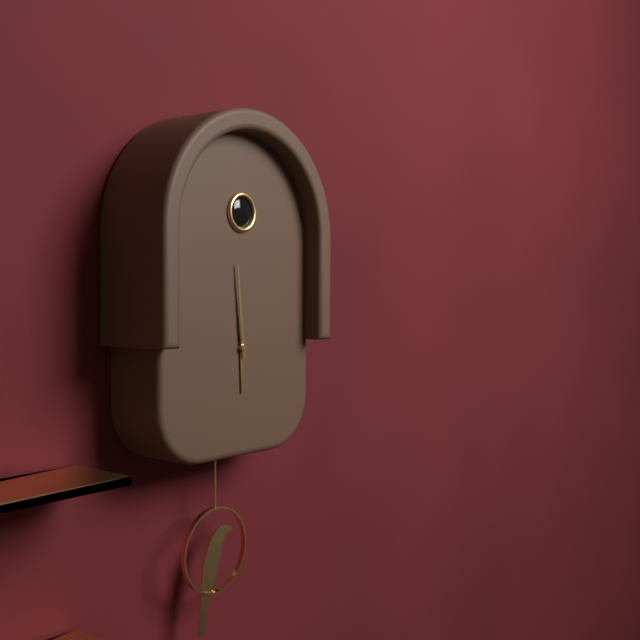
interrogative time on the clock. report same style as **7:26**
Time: **5:59**
